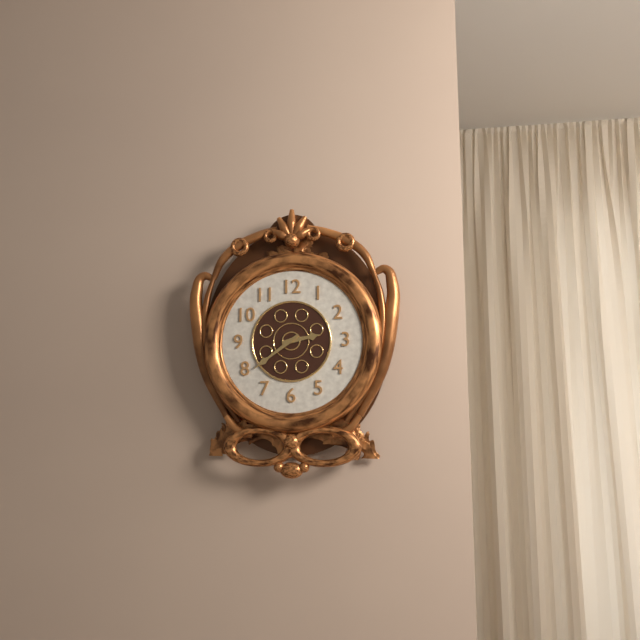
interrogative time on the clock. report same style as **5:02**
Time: **2:39**
